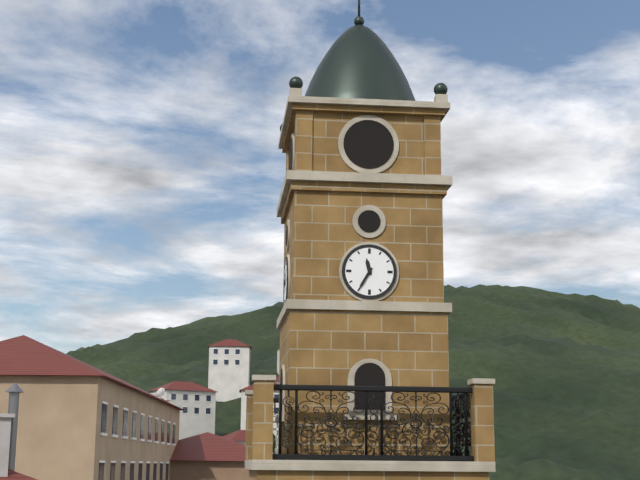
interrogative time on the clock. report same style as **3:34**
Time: **11:35**
